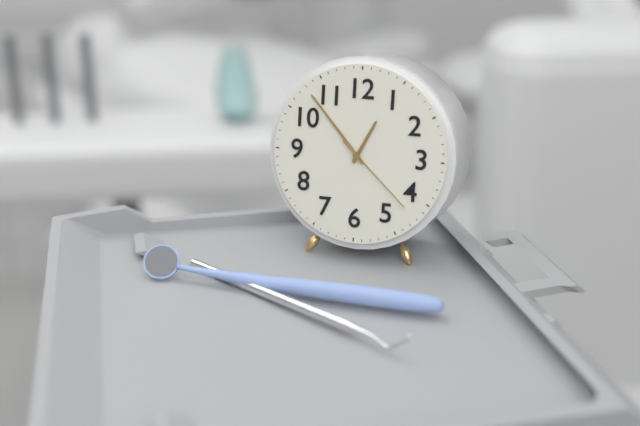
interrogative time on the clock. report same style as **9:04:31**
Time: **12:53:22**
